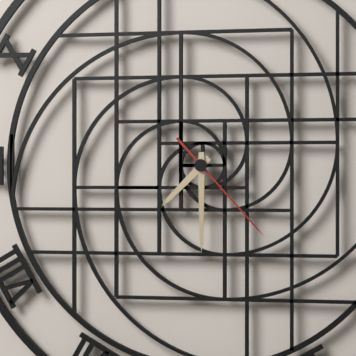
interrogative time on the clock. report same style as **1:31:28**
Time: **7:30:23**
